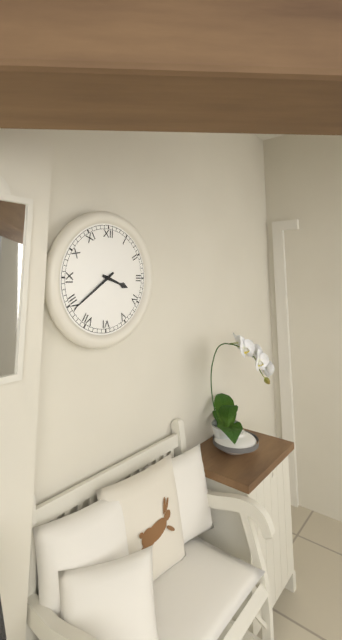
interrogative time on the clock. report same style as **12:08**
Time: **3:39**
